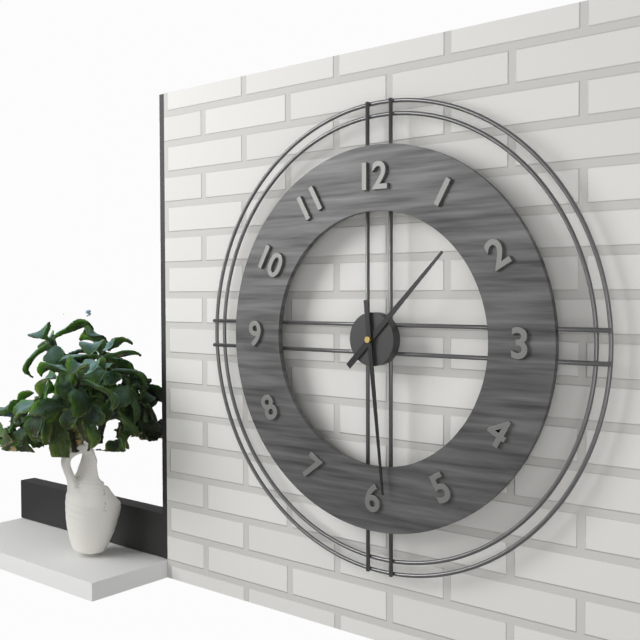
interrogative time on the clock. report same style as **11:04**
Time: **1:29**
